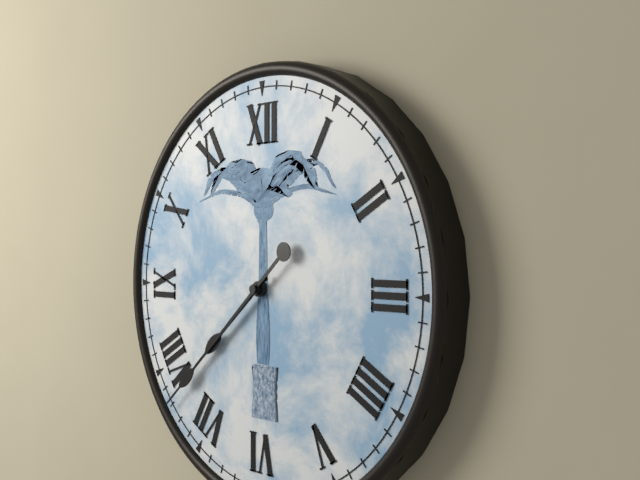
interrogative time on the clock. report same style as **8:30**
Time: **7:38**
